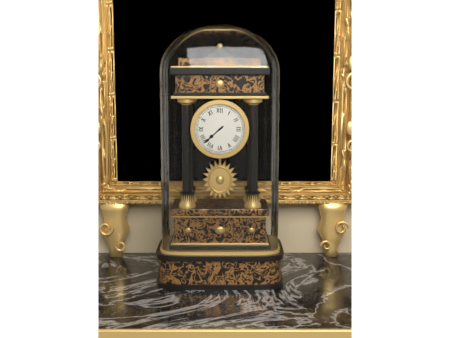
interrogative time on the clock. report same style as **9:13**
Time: **7:38**
